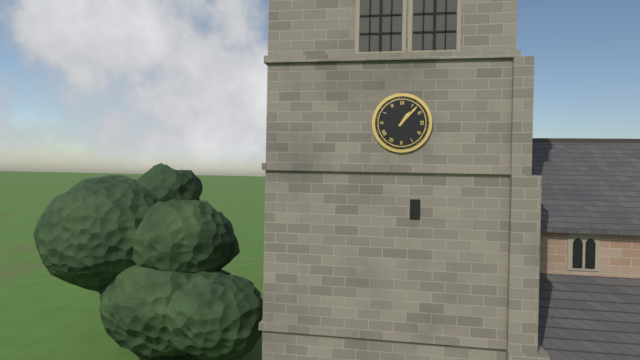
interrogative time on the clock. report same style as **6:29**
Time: **1:07**
